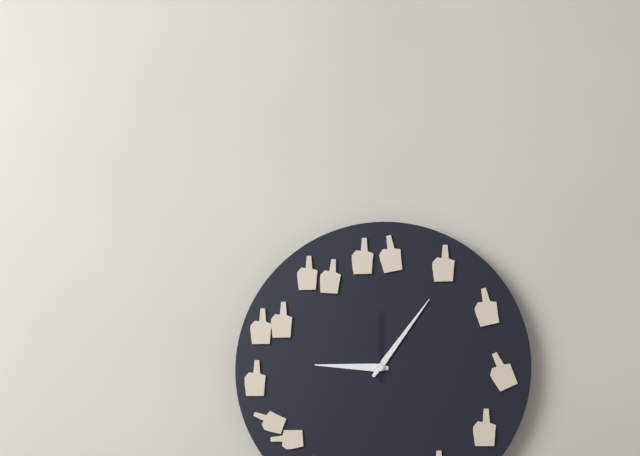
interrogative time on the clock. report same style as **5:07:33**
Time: **9:06:00**
